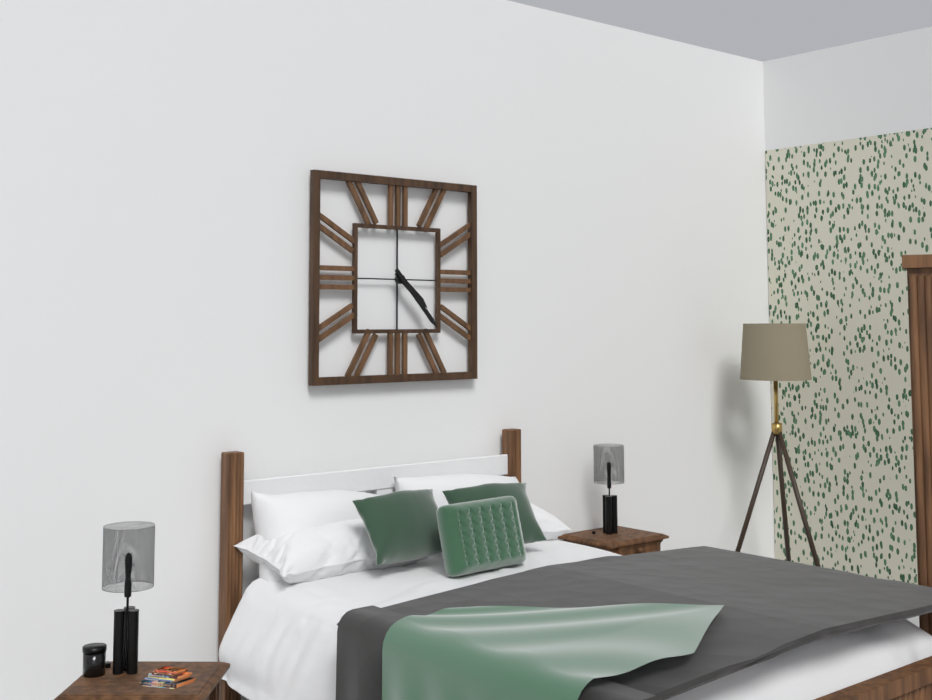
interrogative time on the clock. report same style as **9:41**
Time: **4:23**
